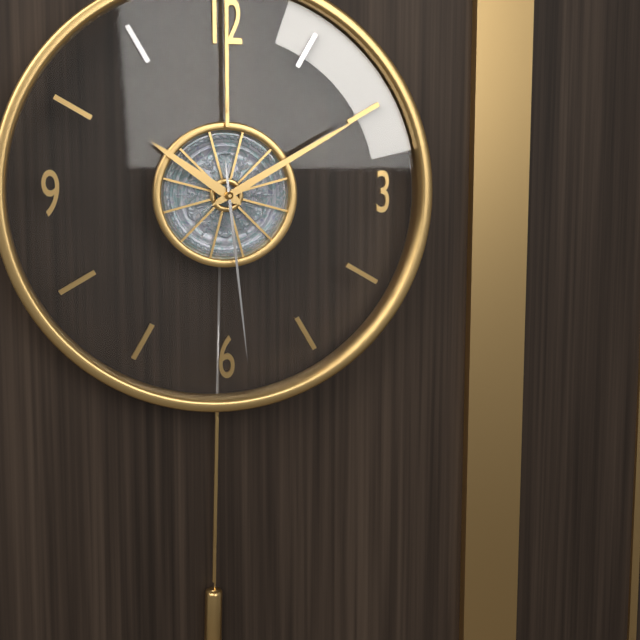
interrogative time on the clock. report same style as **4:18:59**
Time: **10:10:29**
